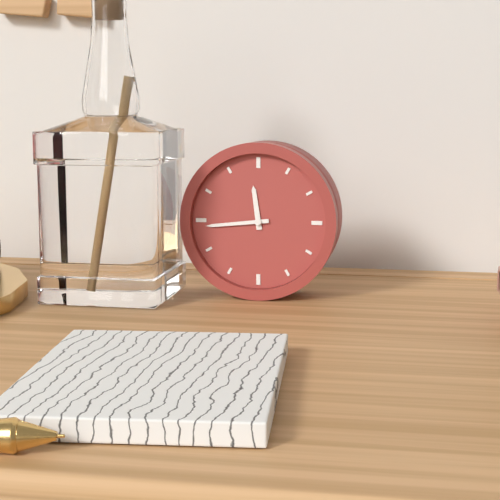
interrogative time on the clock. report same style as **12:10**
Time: **11:44**
